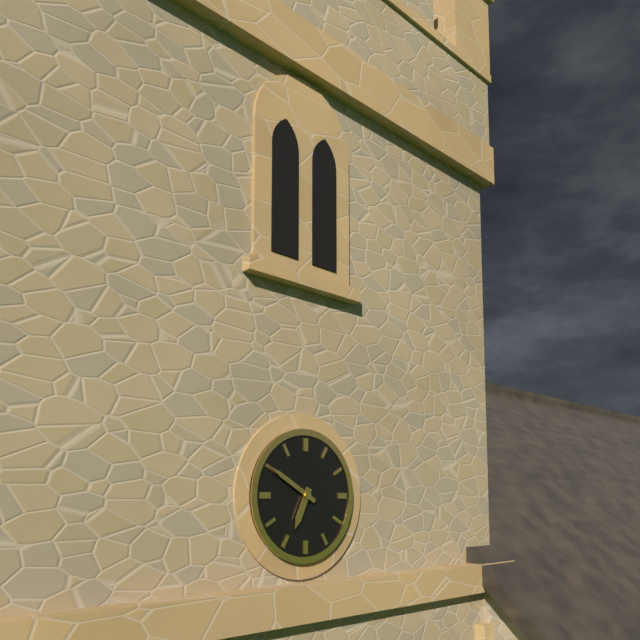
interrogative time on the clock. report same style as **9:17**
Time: **6:50**
